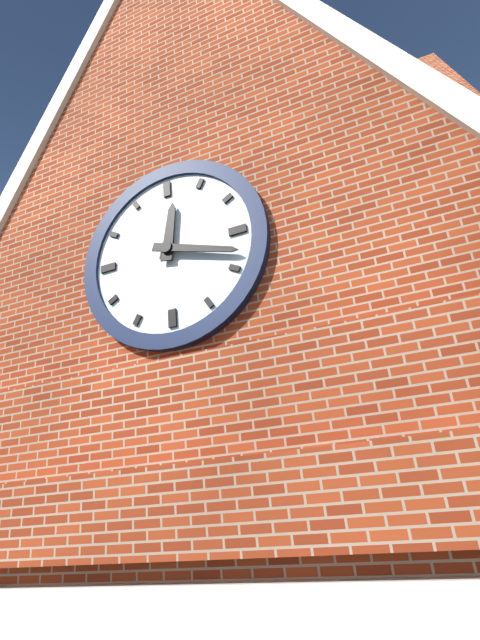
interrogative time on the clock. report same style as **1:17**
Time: **12:18**
